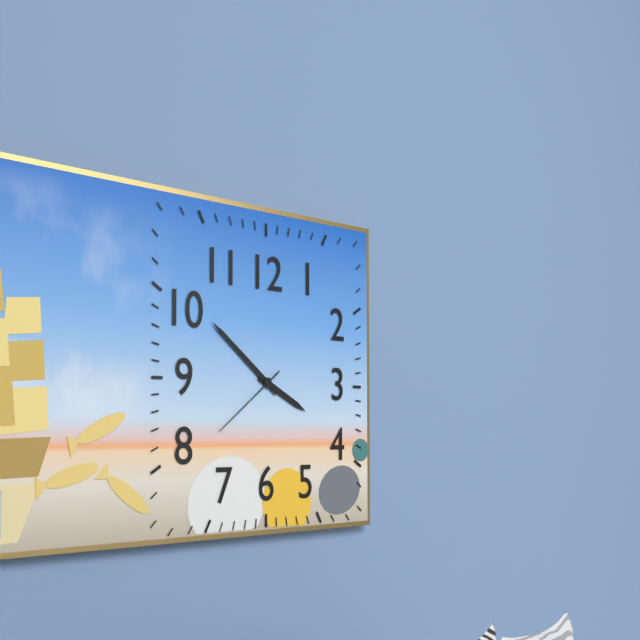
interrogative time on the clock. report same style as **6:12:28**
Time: **3:51:39**
